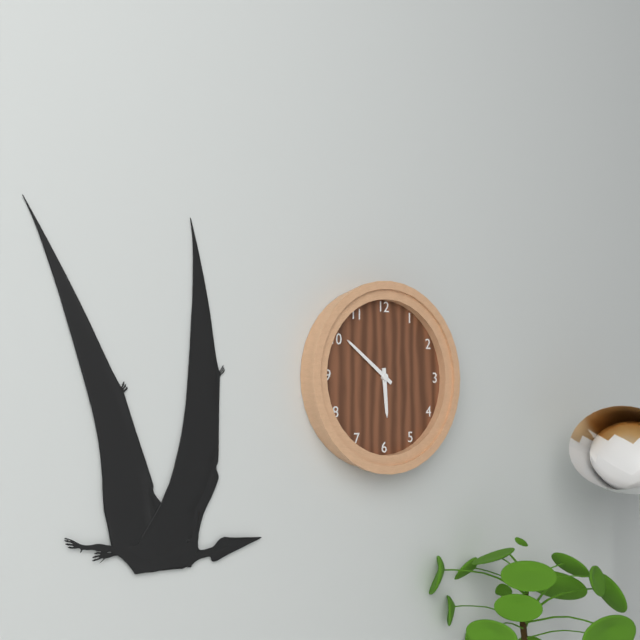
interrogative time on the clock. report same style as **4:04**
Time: **5:51**
